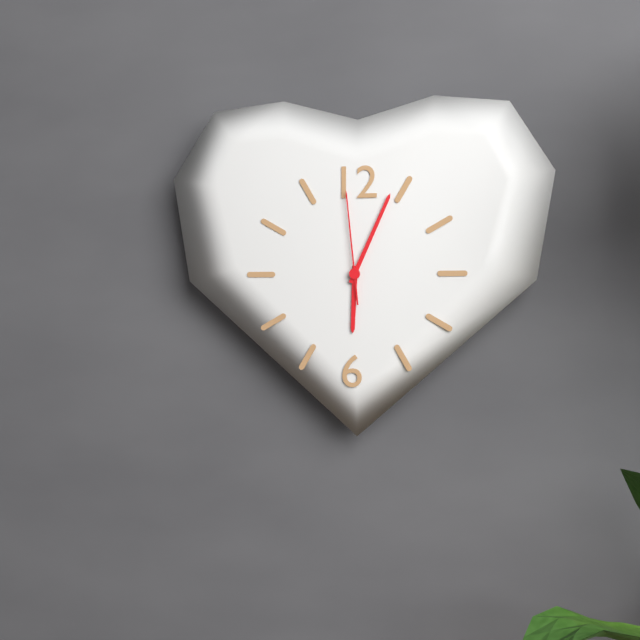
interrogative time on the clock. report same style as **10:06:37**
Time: **6:04:59**
